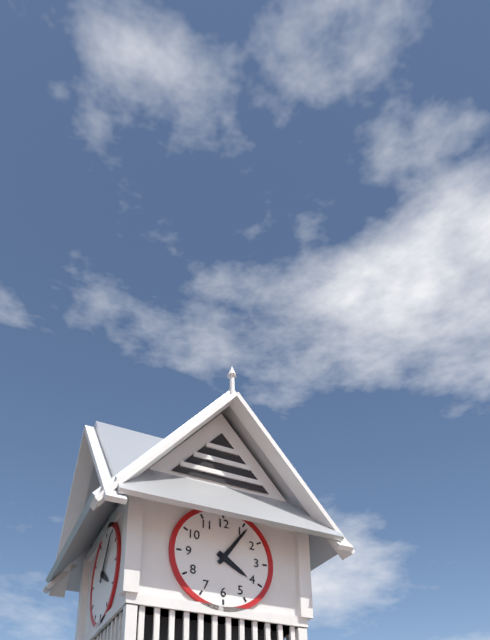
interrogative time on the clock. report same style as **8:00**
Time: **4:06**
